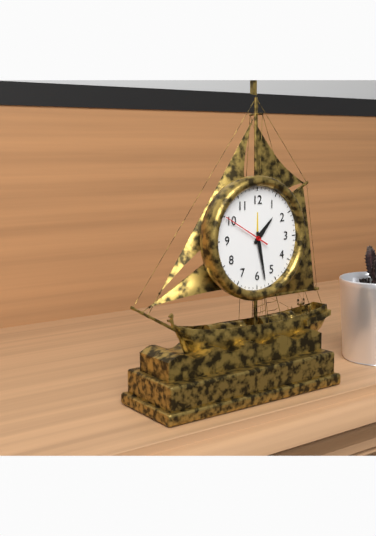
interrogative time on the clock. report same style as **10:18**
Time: **1:28**
